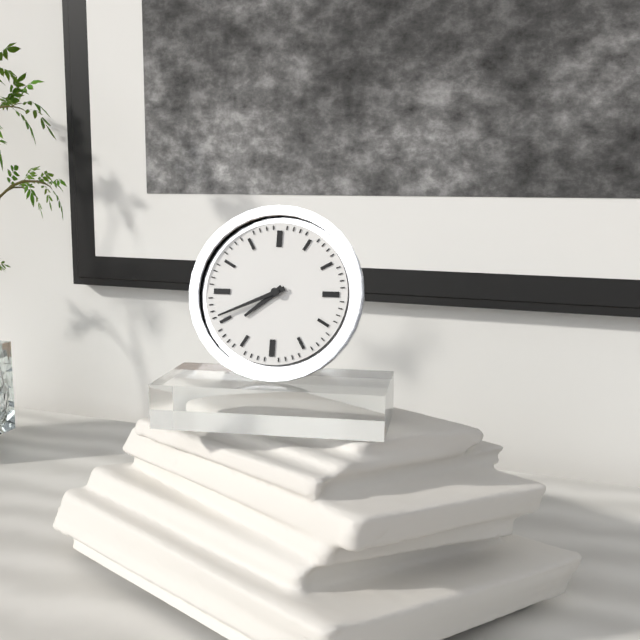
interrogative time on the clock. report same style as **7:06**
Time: **7:41**
